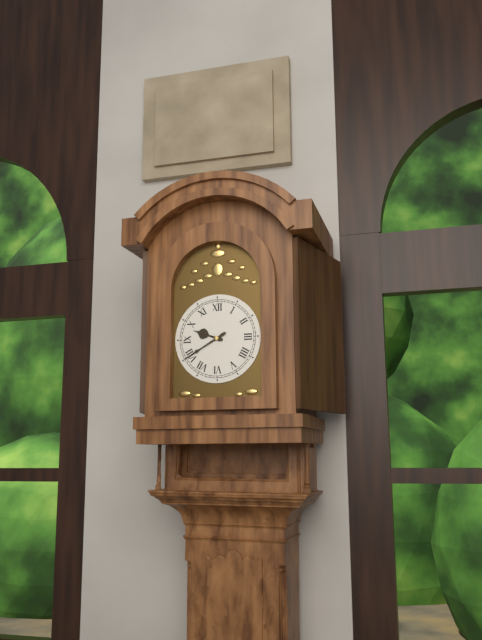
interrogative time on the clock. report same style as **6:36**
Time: **9:40**
